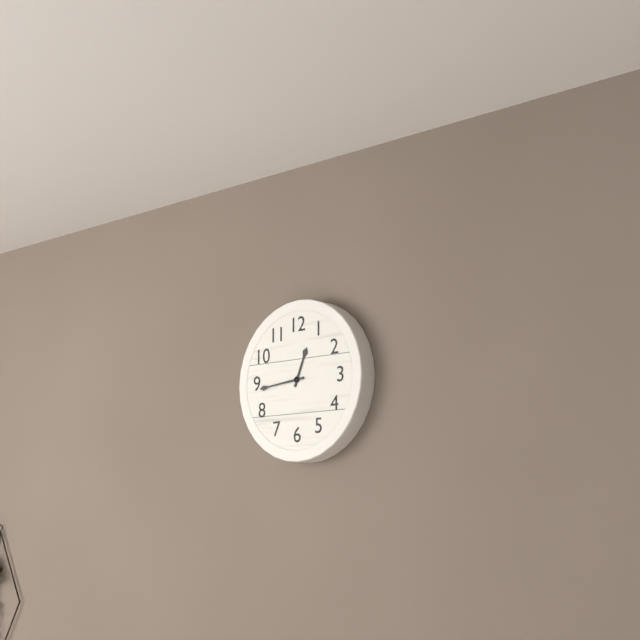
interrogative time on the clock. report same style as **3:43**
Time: **12:44**
